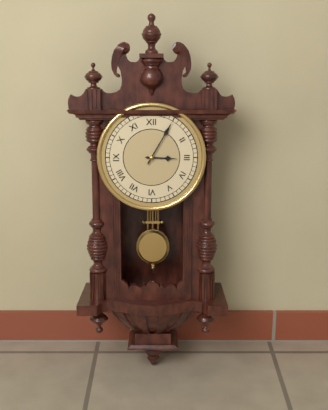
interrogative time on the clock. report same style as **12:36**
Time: **3:05**
